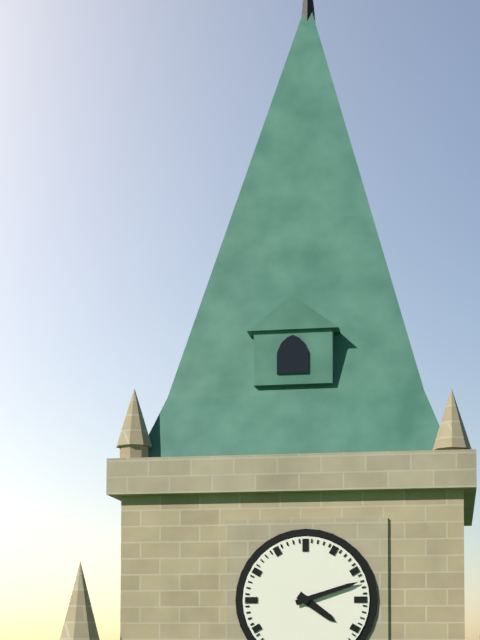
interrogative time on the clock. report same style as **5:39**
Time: **4:12**
